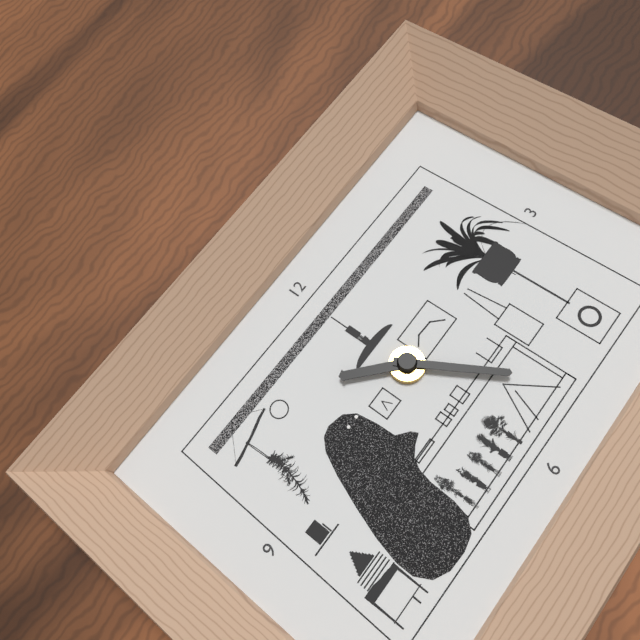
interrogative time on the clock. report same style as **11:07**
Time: **10:25**
